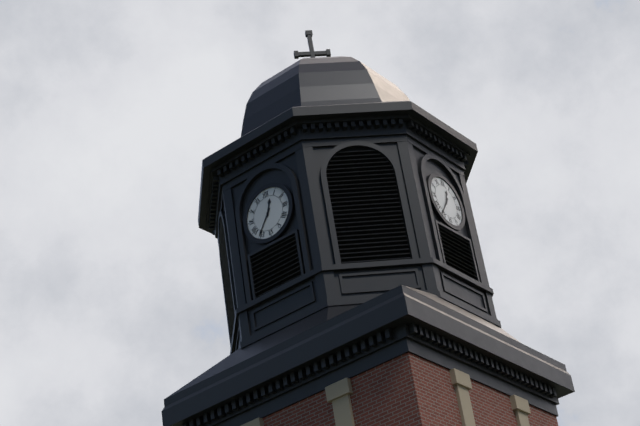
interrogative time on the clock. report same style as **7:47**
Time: **12:36**
